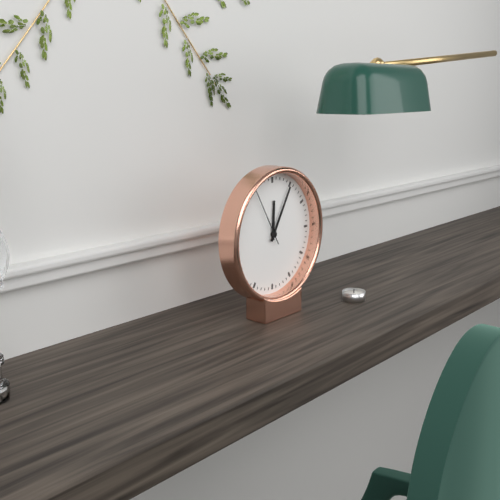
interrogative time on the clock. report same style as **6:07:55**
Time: **12:05:55**
